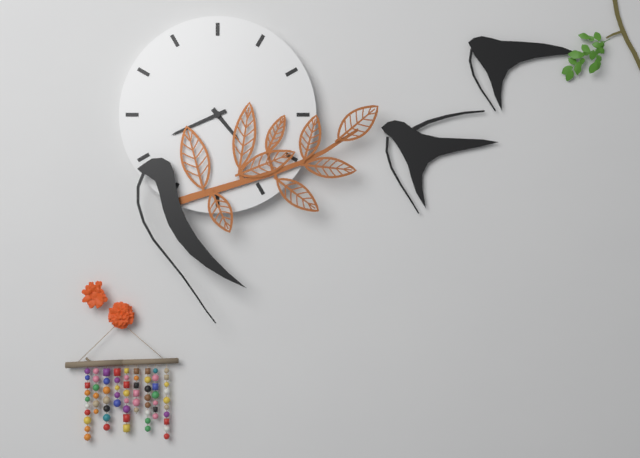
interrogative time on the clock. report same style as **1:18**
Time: **4:41**
